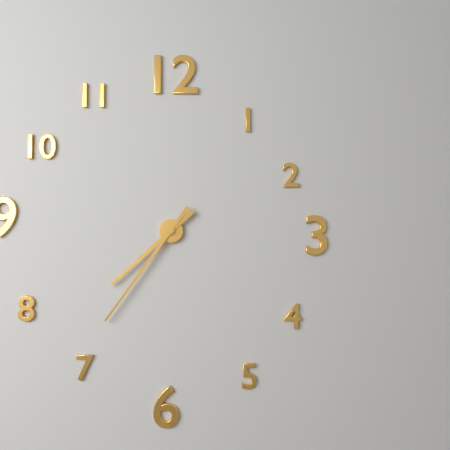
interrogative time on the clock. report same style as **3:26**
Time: **7:36**
